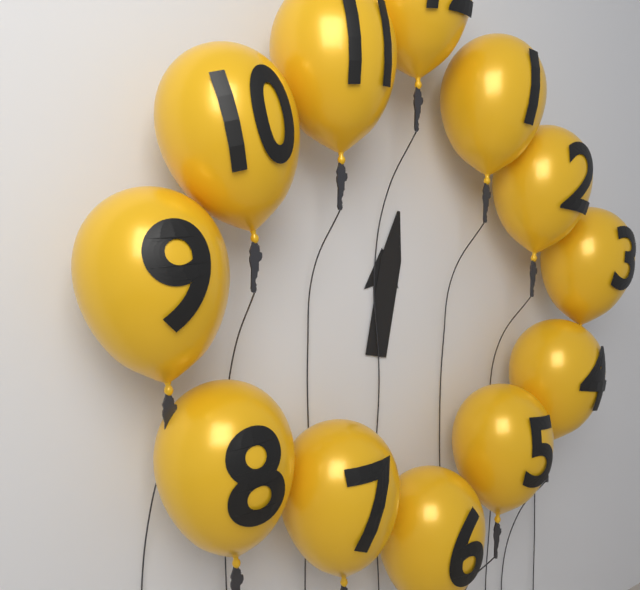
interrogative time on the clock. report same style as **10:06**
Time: **12:02**
